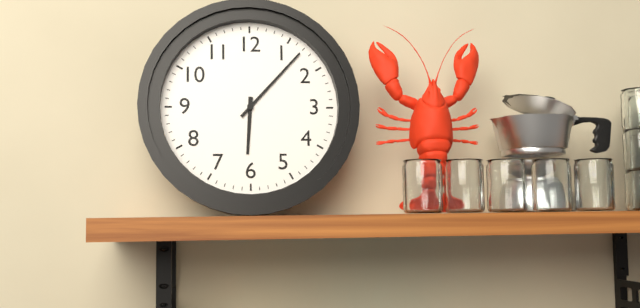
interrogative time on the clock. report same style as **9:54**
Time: **6:07**
